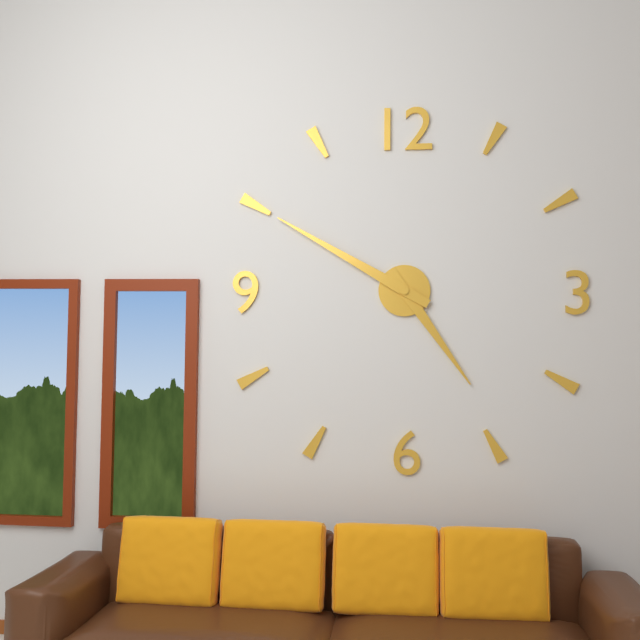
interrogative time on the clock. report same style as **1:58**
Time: **4:50**
